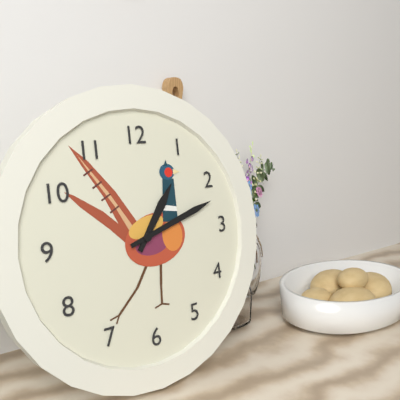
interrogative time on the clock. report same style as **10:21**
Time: **1:12**
